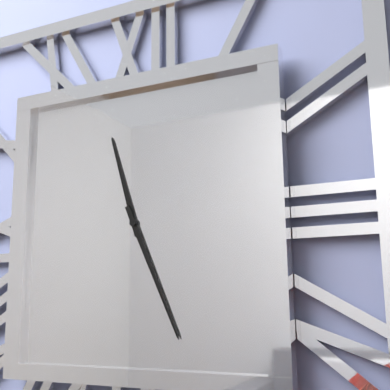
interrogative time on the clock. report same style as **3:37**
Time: **11:26**
